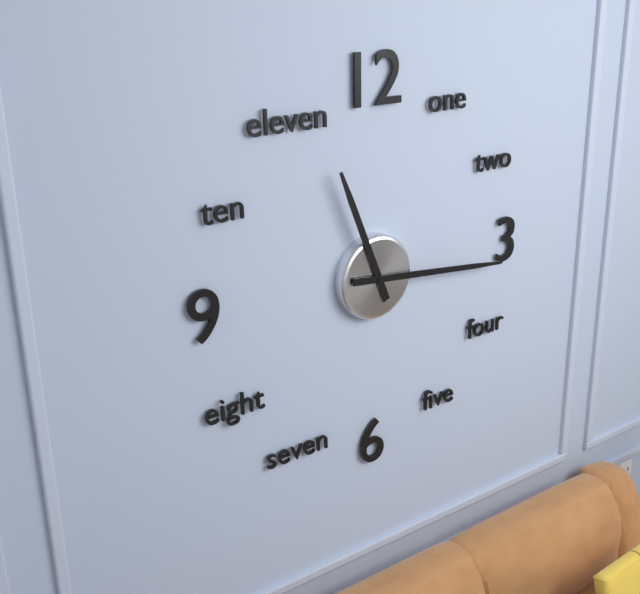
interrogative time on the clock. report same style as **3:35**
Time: **11:16**
